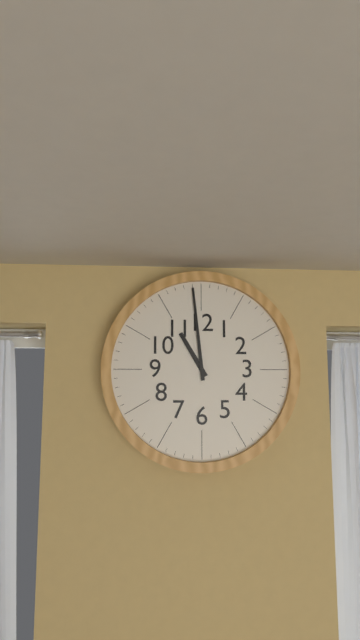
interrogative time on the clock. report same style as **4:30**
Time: **10:59**
